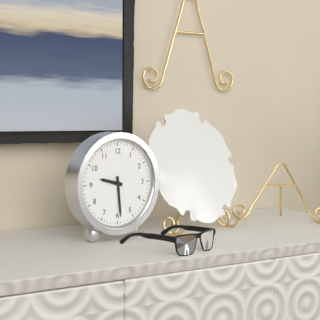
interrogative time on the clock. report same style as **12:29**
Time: **9:29**
